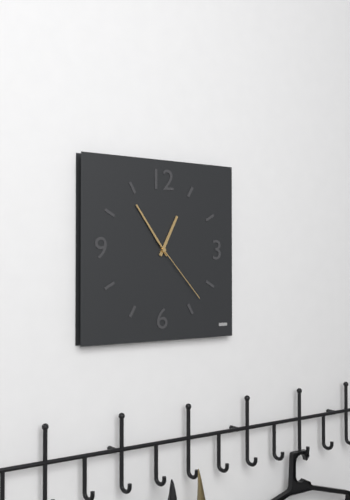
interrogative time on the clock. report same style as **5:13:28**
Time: **12:54:23**
